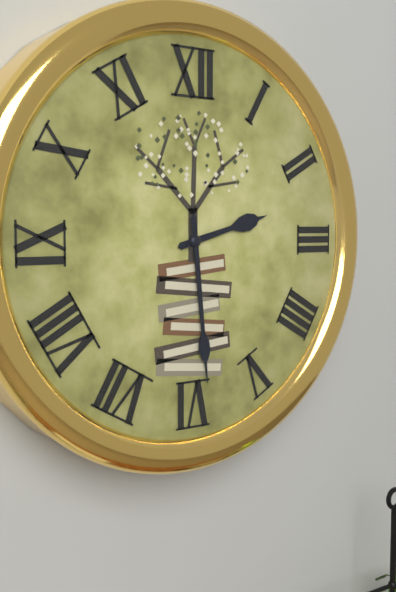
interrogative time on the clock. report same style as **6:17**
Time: **2:29**
